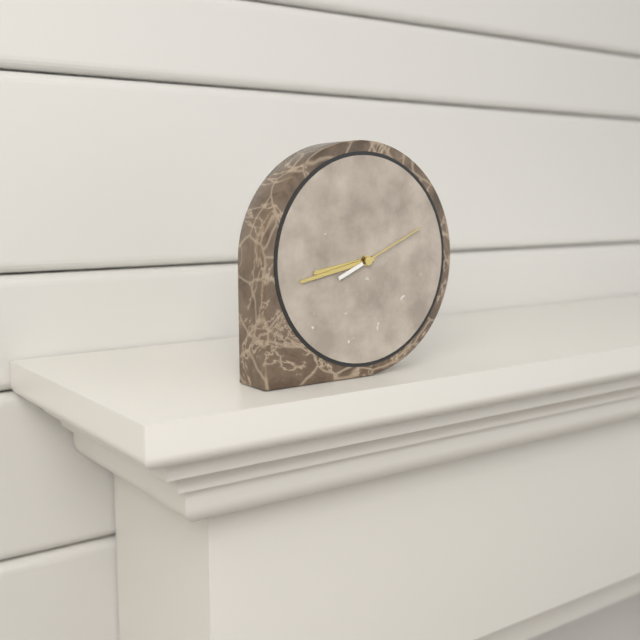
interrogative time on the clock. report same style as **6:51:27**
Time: **8:43:11**
